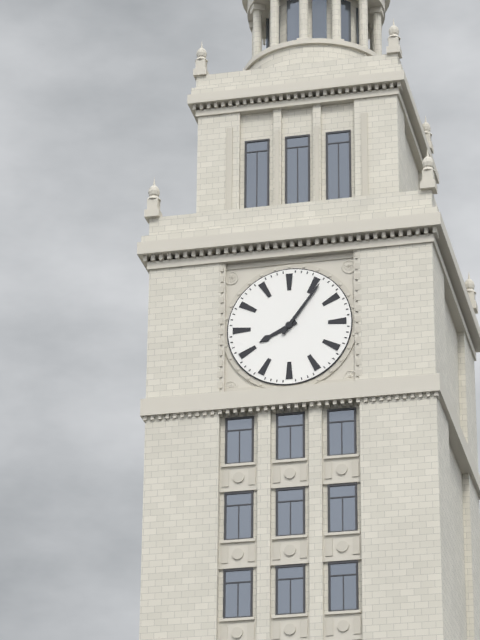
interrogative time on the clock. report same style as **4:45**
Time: **8:06**
